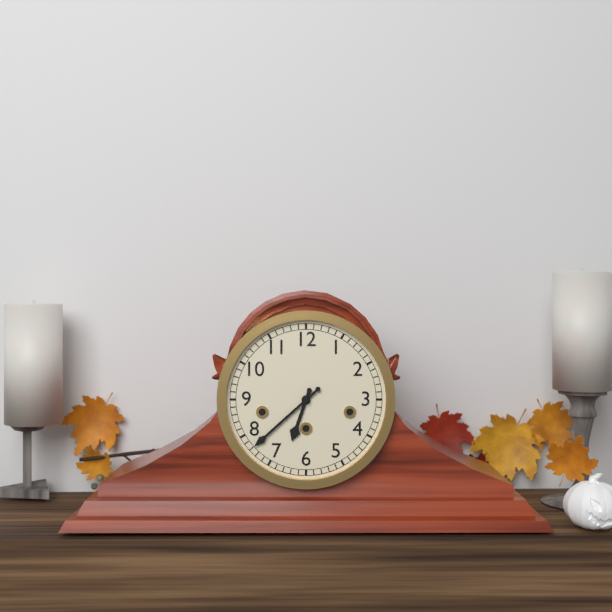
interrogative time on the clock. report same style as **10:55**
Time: **6:38**
